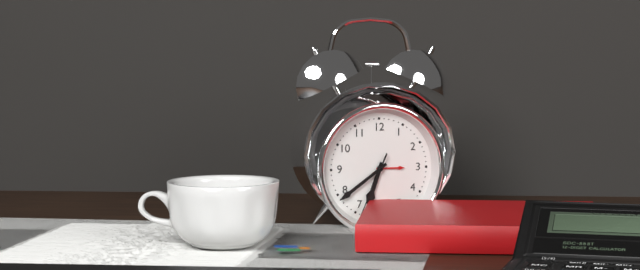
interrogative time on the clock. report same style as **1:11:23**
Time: **6:39:34**
